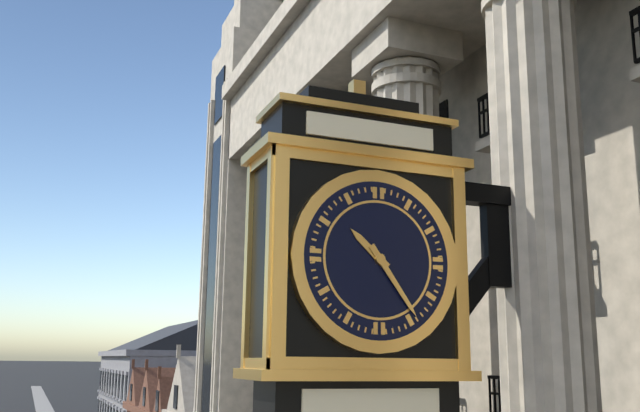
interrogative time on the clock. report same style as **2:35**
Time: **10:24**
